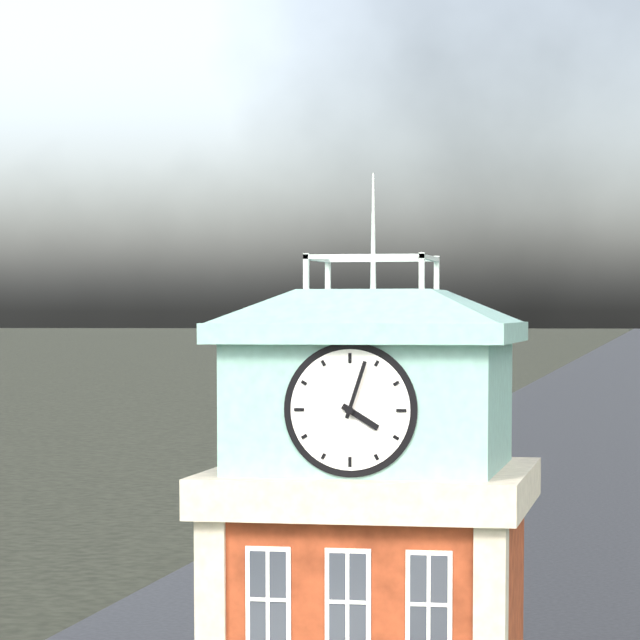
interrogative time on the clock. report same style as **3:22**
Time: **4:03**
